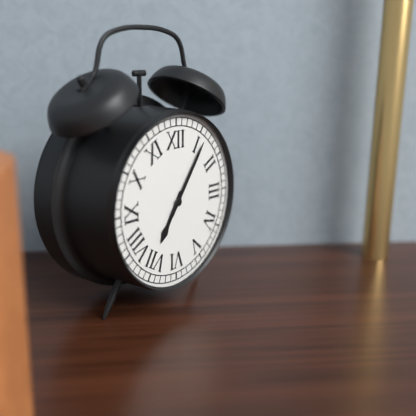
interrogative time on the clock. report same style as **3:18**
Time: **7:06**
